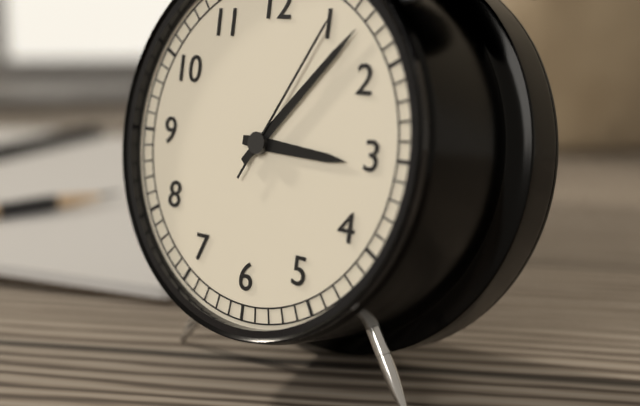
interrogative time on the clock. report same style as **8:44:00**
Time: **3:07:05**
